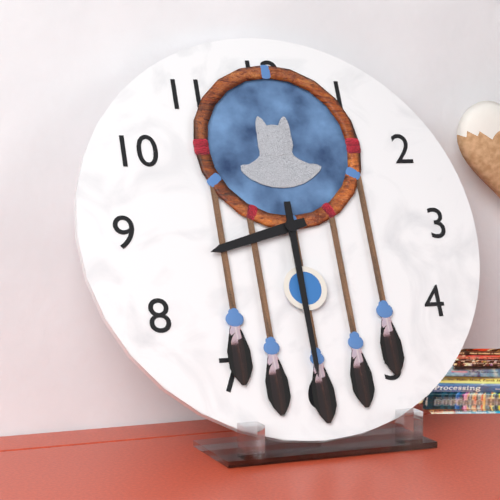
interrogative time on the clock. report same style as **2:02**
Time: **8:30**
